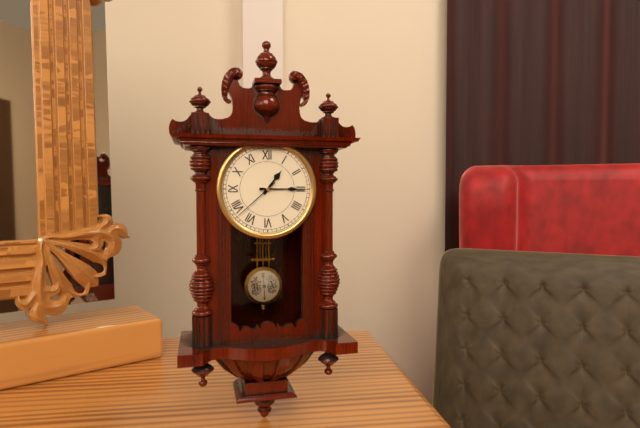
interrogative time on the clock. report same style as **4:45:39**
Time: **1:15:38**
